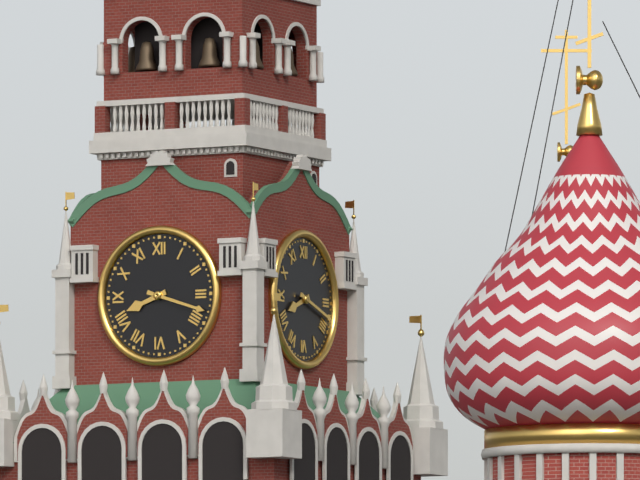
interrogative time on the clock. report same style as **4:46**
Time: **8:18**
